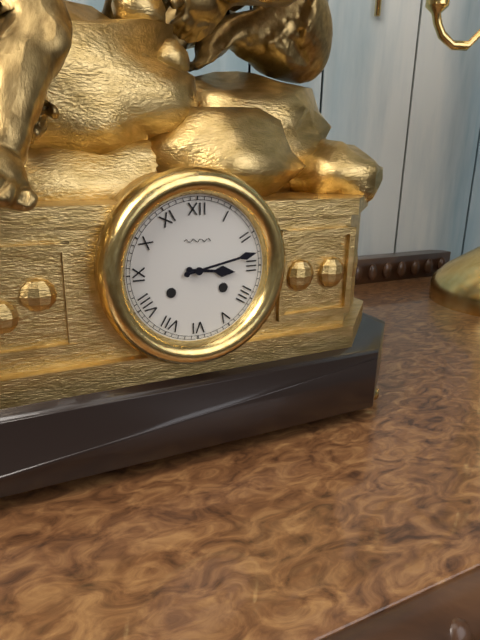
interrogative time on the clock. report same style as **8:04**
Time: **3:13**
